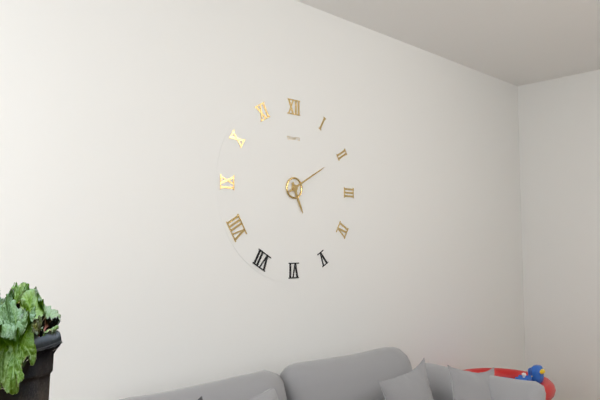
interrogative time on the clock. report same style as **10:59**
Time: **5:10**
